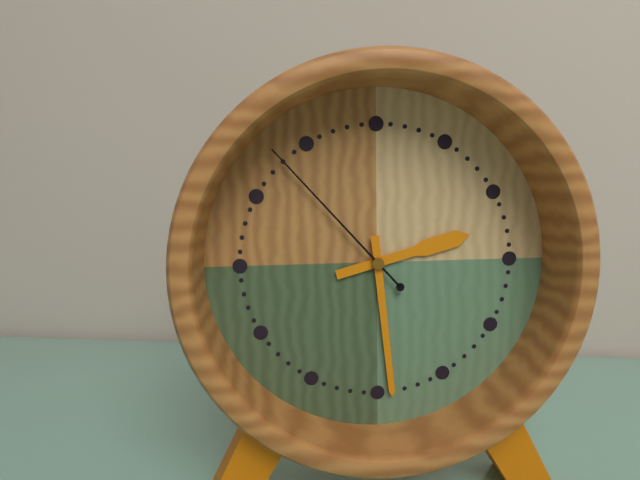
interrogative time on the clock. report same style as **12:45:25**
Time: **2:29:53**
